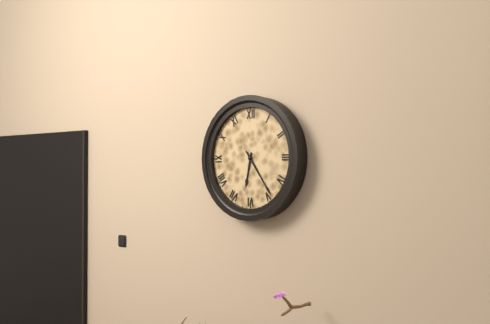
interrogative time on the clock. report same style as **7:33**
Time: **6:24**
